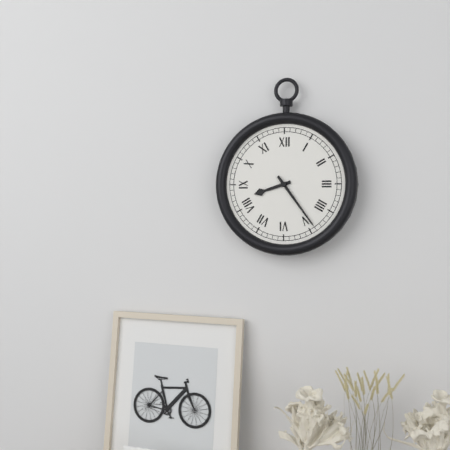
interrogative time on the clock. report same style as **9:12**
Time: **8:24**
